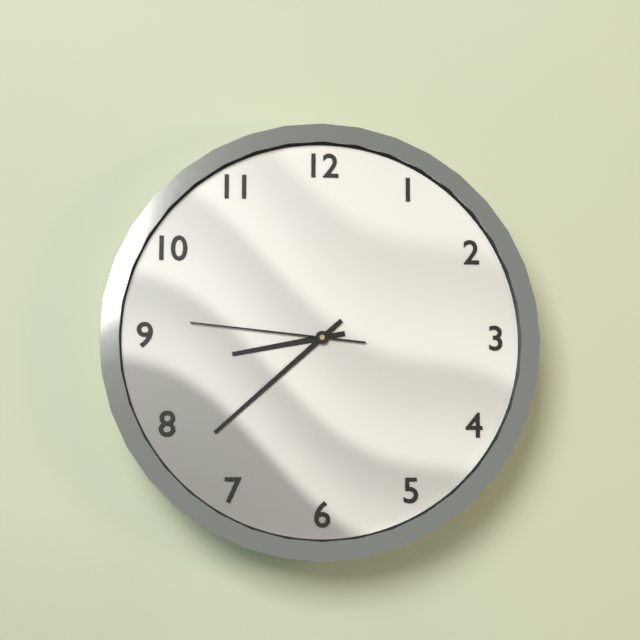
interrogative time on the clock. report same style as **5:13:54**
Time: **8:38:46**
